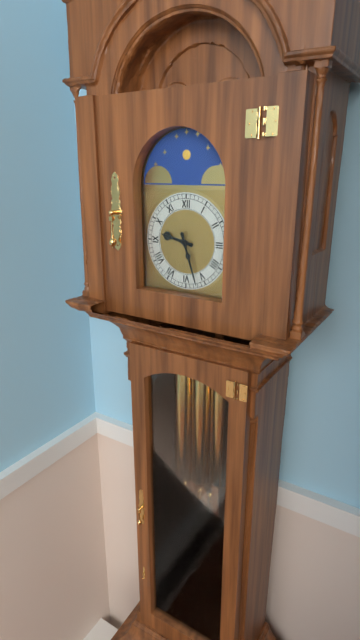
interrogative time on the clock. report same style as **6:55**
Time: **9:27**
